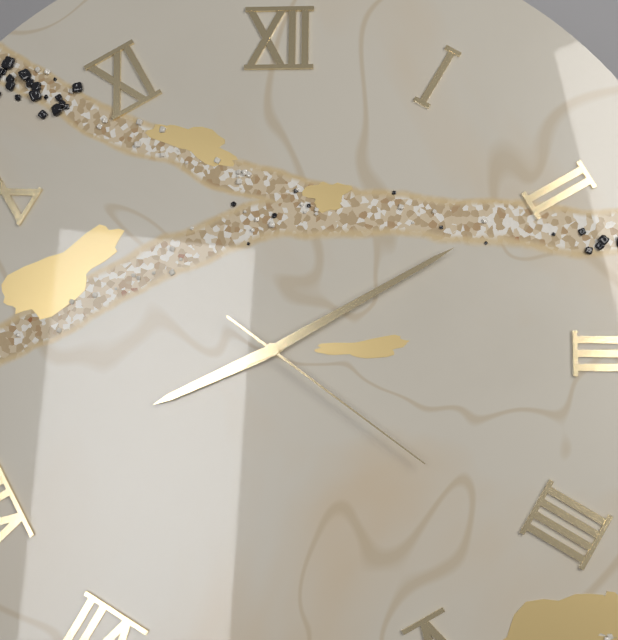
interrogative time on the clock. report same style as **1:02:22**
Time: **8:10:21**
